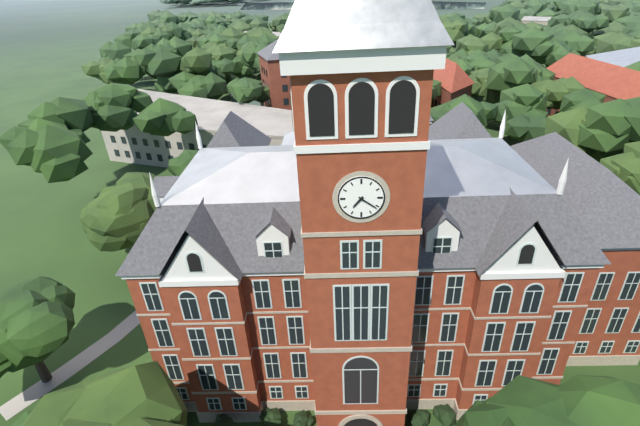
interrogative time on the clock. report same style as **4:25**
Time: **7:21**
